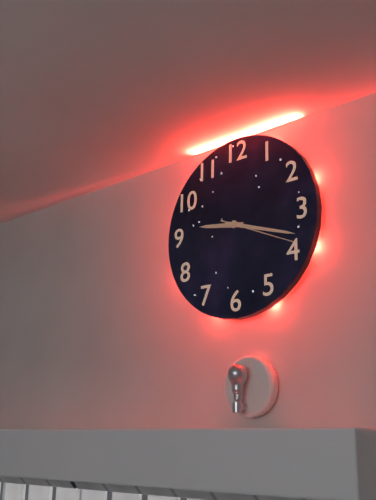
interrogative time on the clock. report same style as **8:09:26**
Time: **9:18:19**
